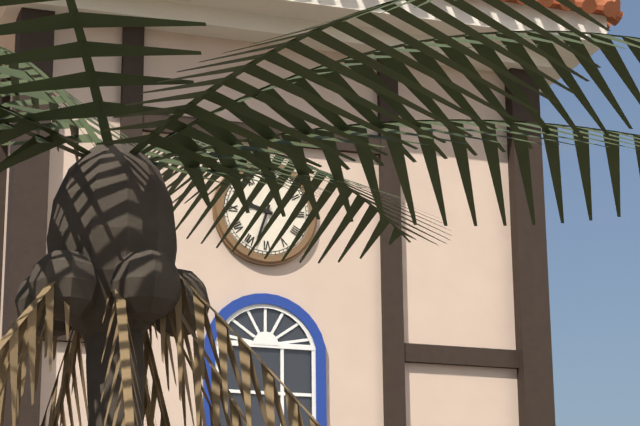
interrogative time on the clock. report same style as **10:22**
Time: **9:33**
